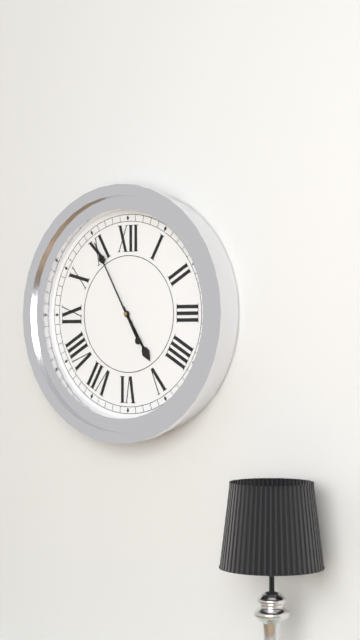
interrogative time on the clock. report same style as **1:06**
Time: **4:55**
